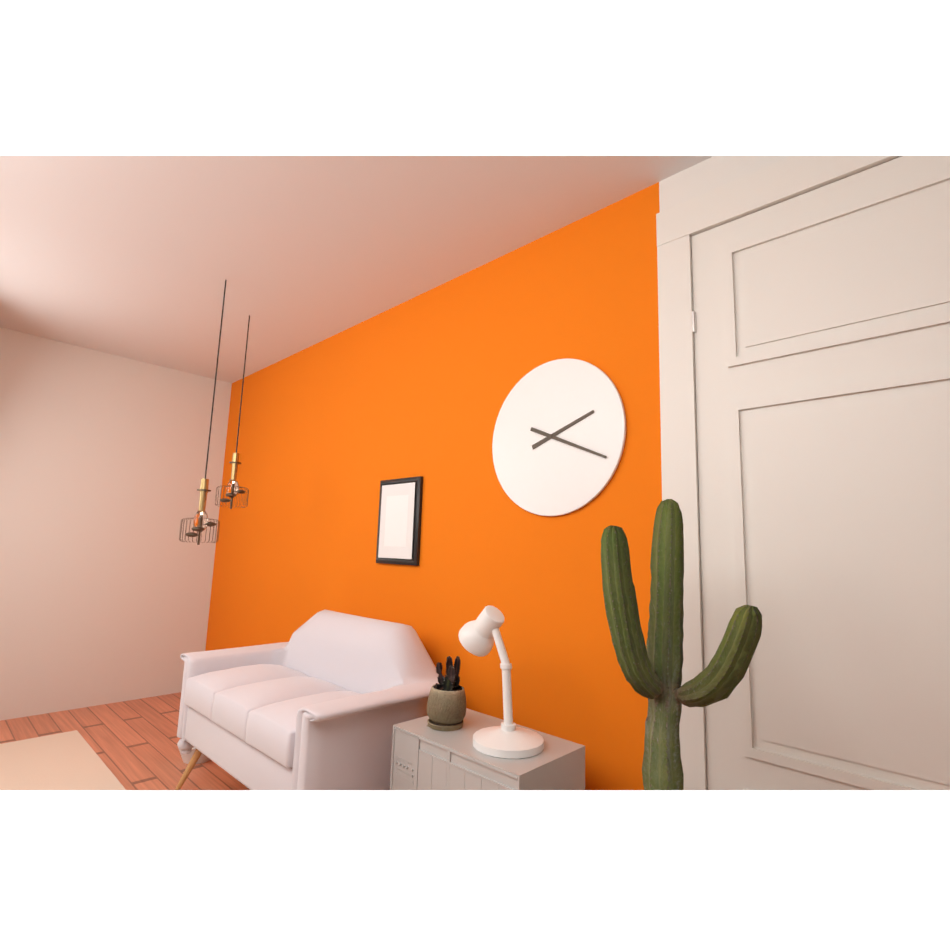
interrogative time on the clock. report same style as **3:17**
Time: **2:19**
